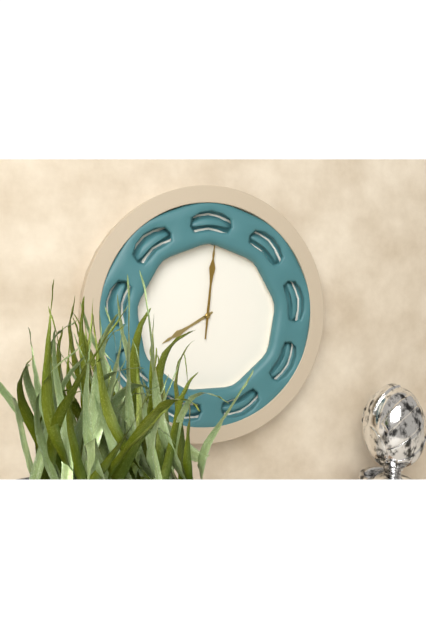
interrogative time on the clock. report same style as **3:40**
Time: **8:01**
